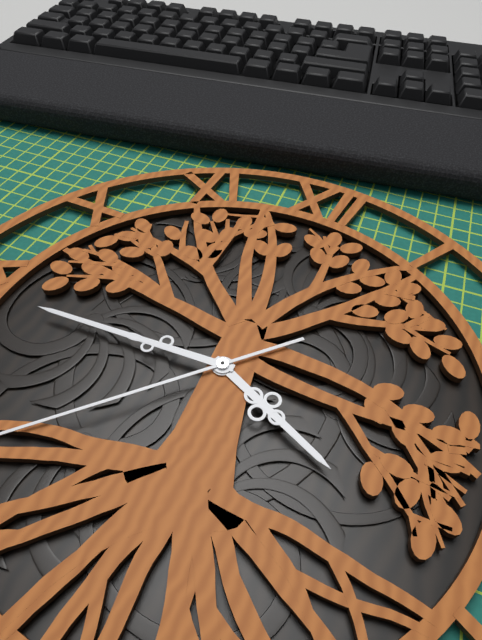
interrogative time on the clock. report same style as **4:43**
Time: **3:44**
